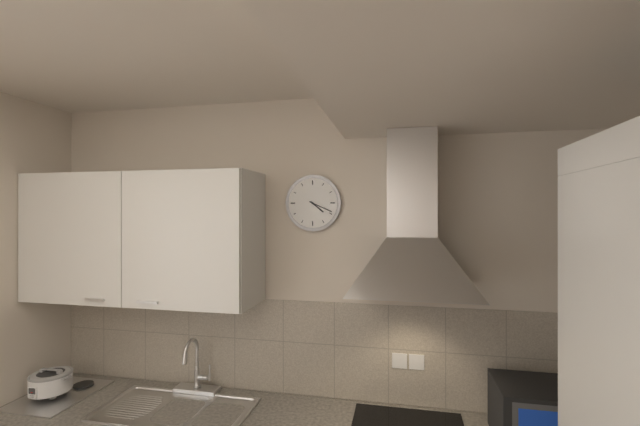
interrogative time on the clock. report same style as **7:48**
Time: **4:19**
